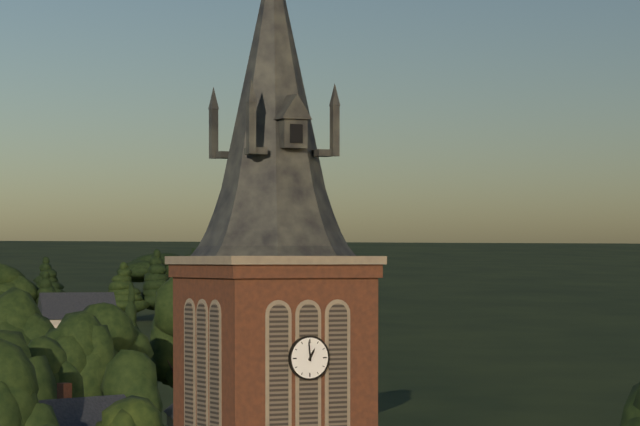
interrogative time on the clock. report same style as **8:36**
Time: **12:59**
